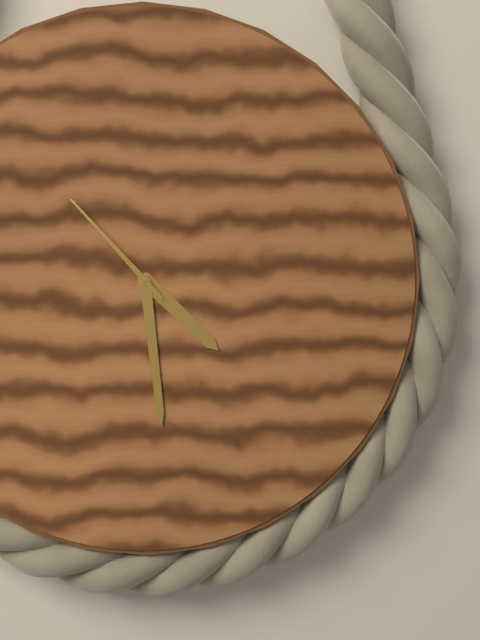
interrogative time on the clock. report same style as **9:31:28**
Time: **4:29:53**
